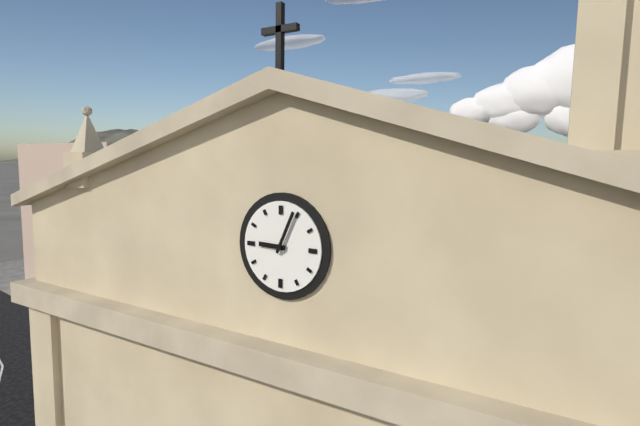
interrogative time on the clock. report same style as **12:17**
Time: **9:04**
